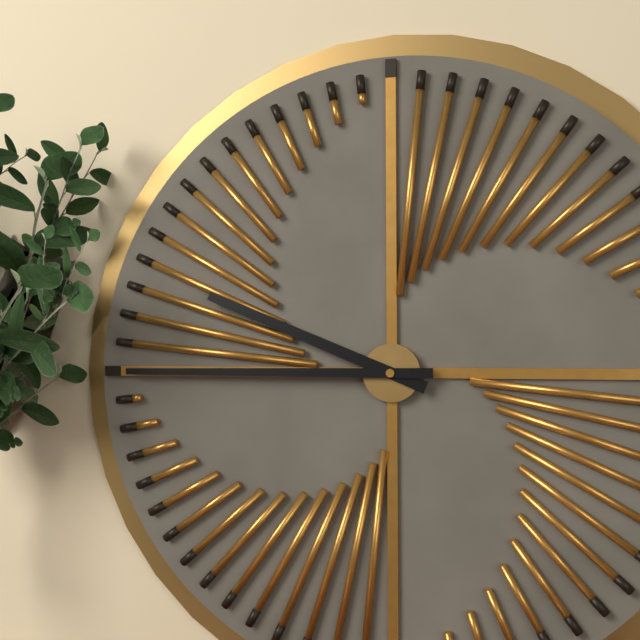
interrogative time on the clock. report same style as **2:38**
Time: **9:45**
